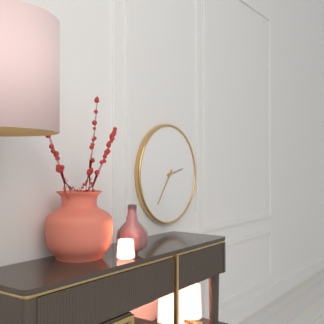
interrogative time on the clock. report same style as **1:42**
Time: **2:36**
